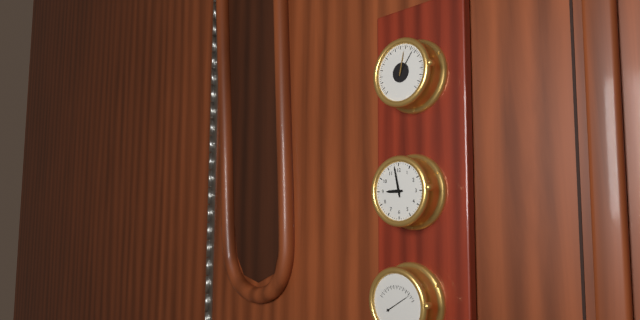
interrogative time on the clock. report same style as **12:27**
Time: **8:58**
